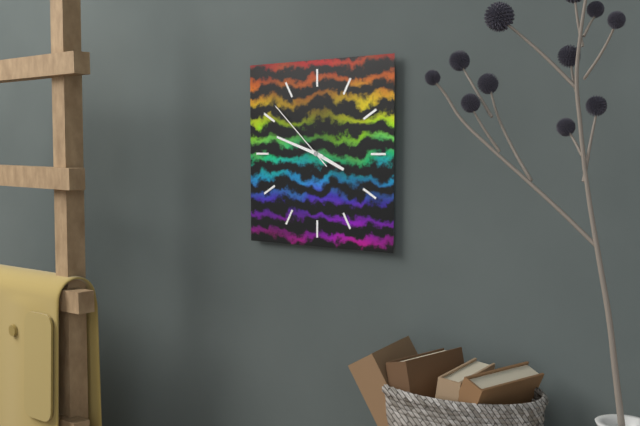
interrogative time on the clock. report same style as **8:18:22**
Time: **3:48:52**
